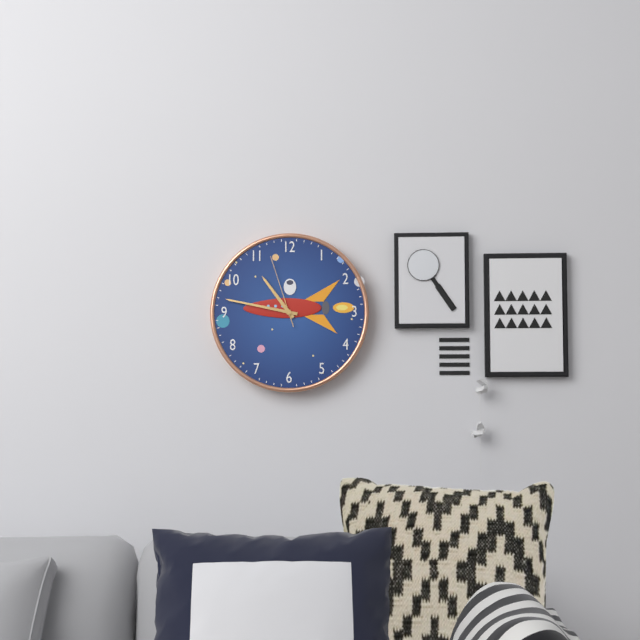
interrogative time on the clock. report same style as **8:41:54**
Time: **10:47:57**
